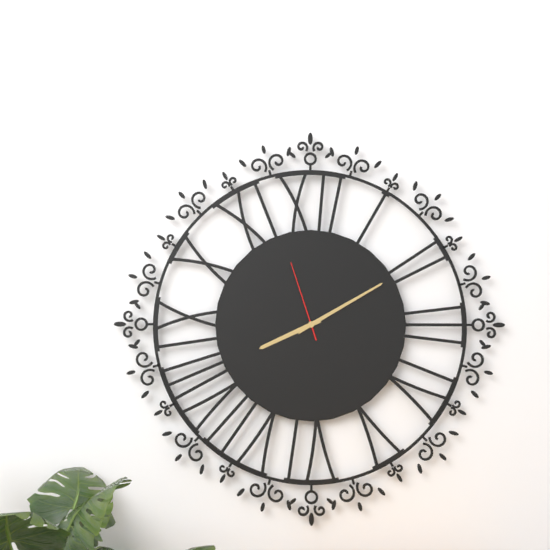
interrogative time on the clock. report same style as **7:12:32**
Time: **8:10:57**
